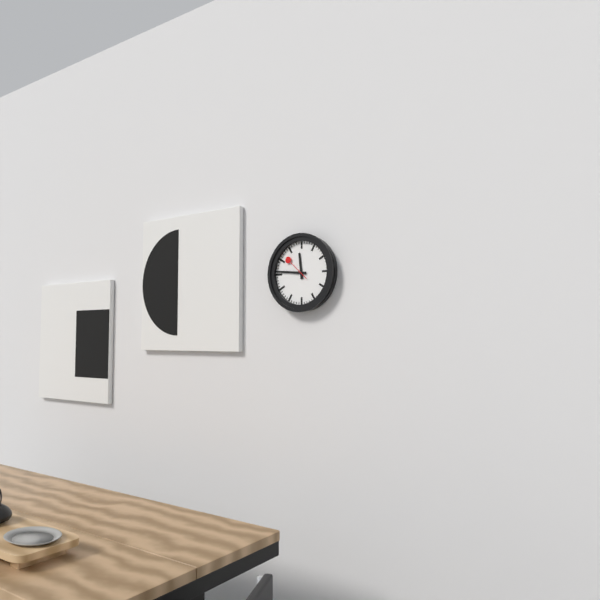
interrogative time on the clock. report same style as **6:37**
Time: **11:46**
